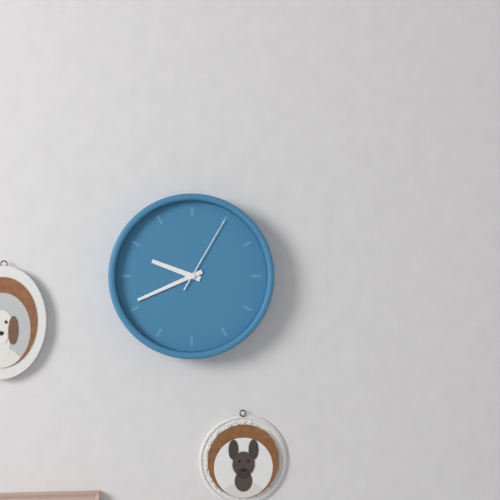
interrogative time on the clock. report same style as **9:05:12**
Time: **9:41:05**
